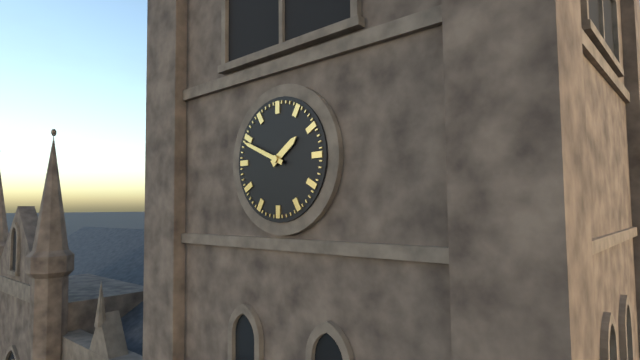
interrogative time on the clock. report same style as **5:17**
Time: **1:49**
